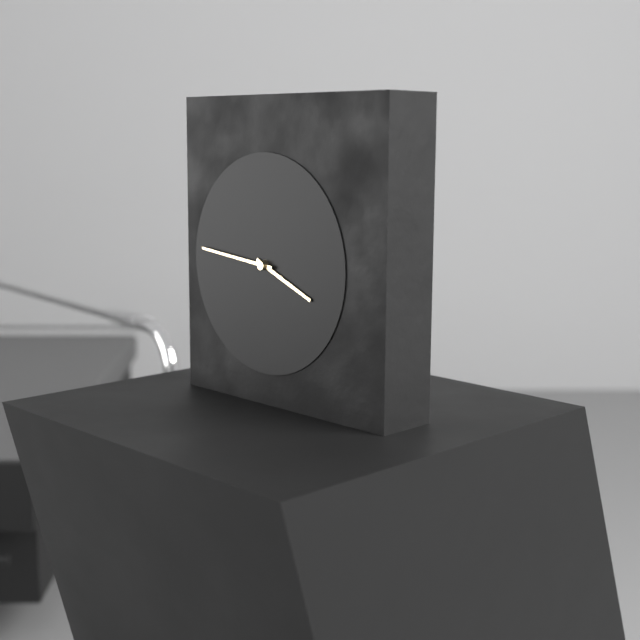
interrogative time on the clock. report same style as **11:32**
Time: **3:46**
